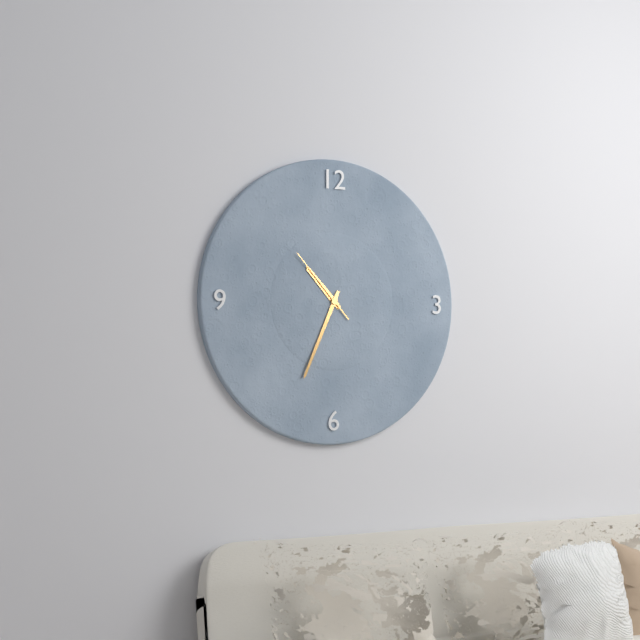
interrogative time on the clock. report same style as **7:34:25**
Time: **10:34:53**
